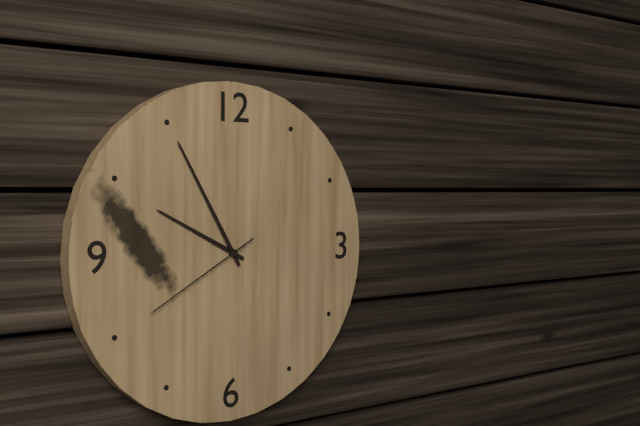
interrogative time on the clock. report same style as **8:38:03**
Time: **9:55:40**
